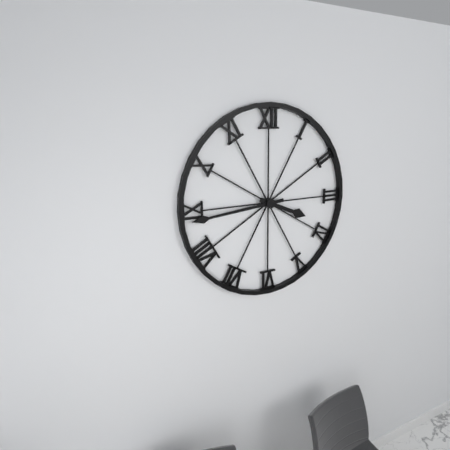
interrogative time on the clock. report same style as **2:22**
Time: **3:44**
